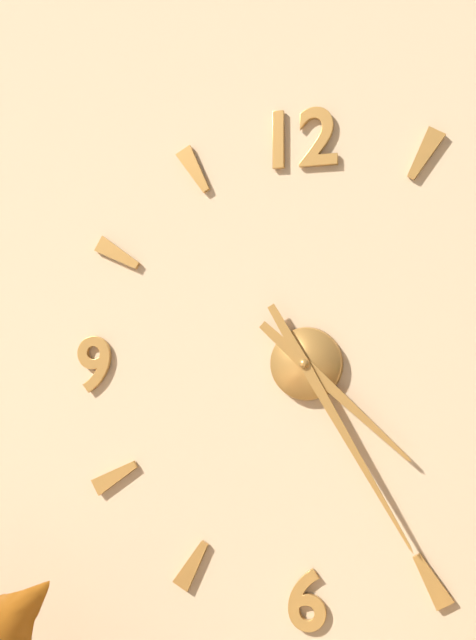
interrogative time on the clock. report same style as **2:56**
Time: **4:25**
